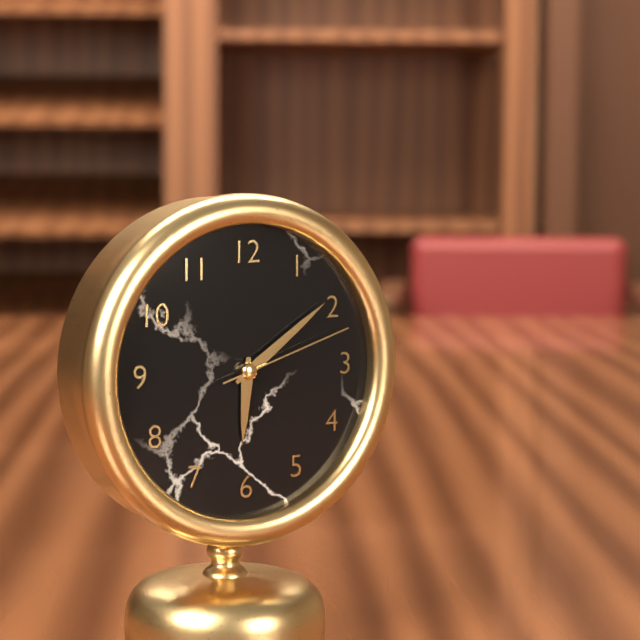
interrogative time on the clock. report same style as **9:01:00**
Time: **6:09:12**
